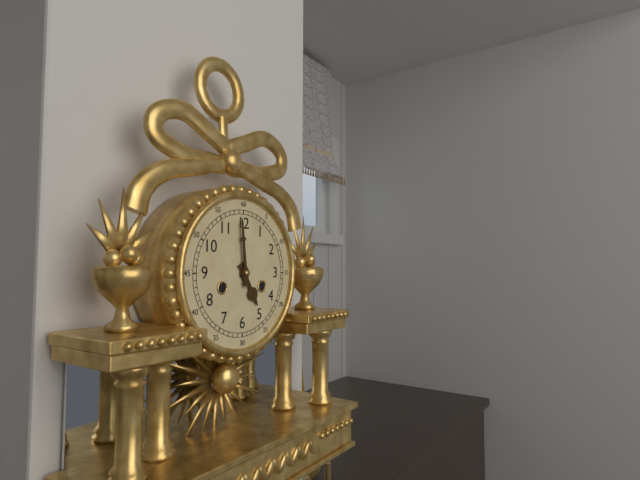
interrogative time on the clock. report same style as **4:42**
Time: **4:59**
